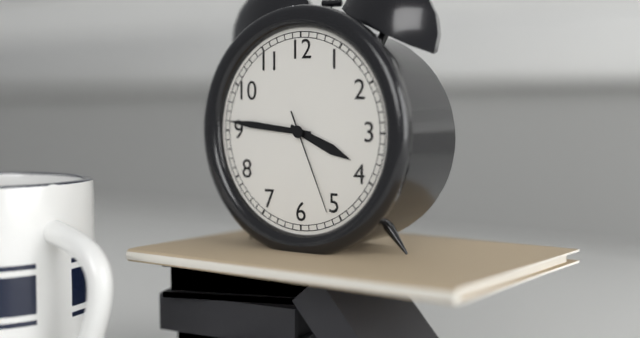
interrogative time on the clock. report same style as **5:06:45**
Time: **3:46:26**
